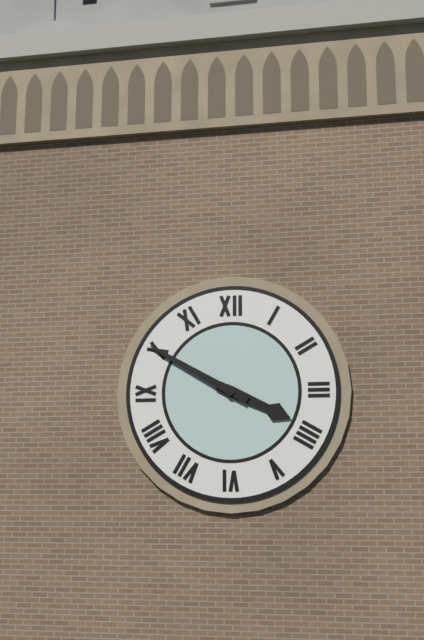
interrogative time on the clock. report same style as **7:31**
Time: **3:50**
